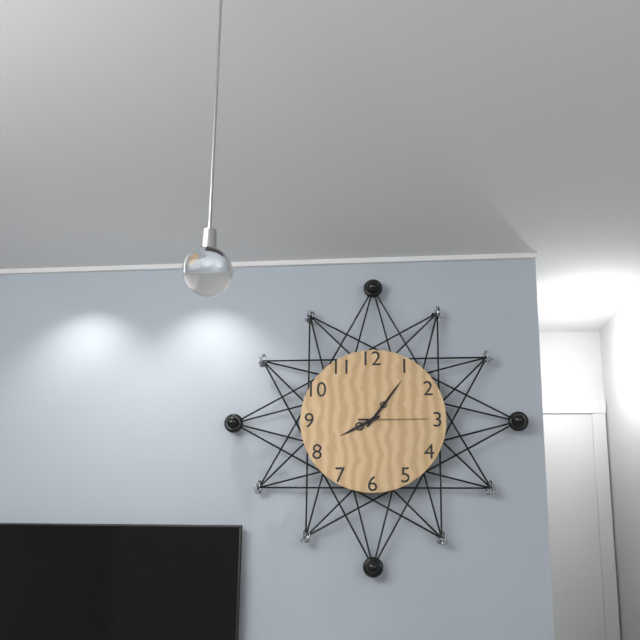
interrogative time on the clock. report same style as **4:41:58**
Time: **8:06:15**
